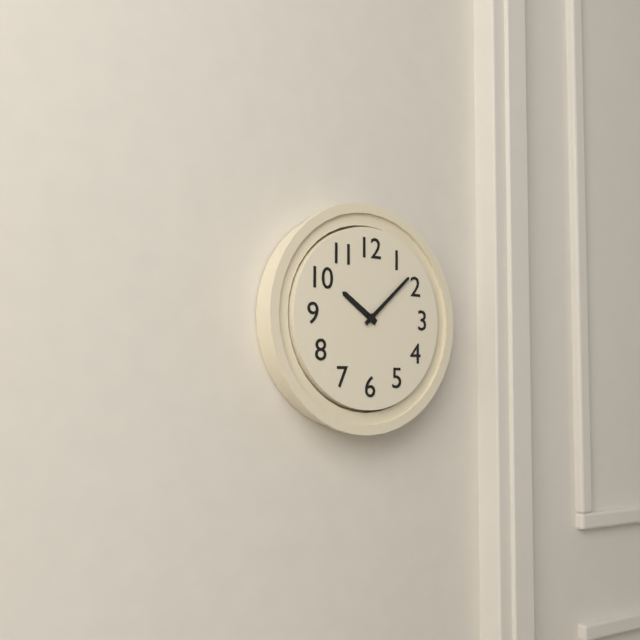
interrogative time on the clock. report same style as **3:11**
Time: **10:08**
